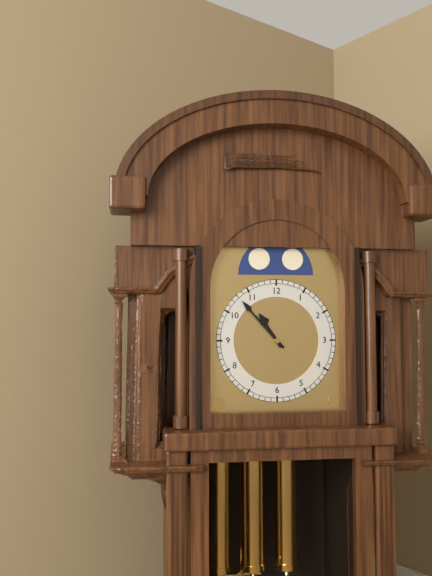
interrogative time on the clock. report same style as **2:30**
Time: **10:53**
